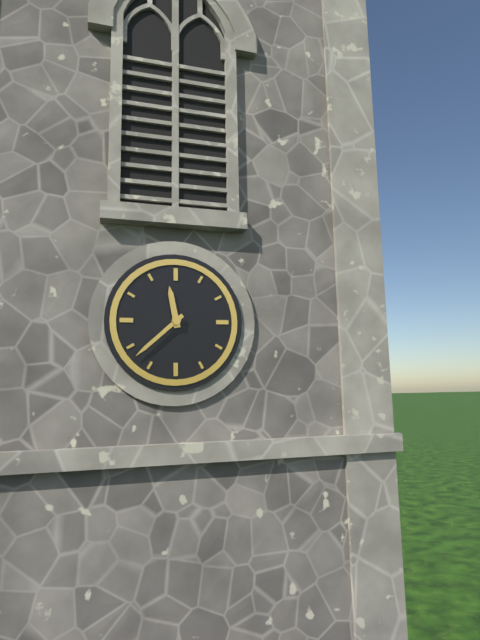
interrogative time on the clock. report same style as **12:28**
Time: **11:38**
